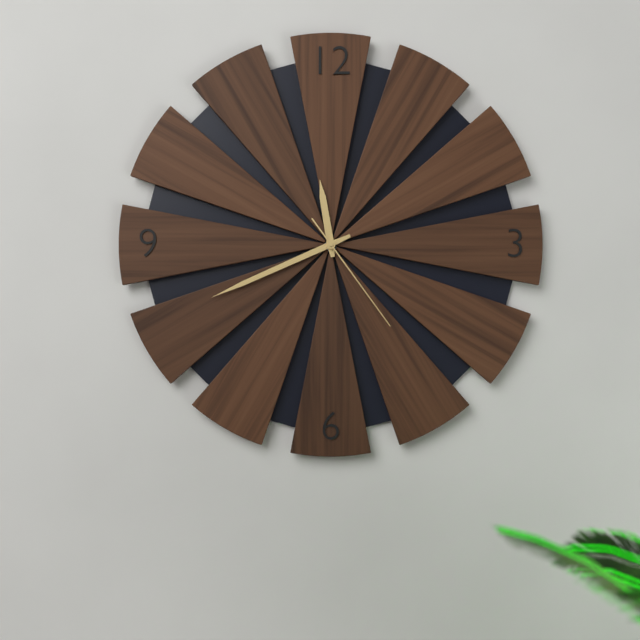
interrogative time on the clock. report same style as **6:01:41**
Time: **11:41:24**
